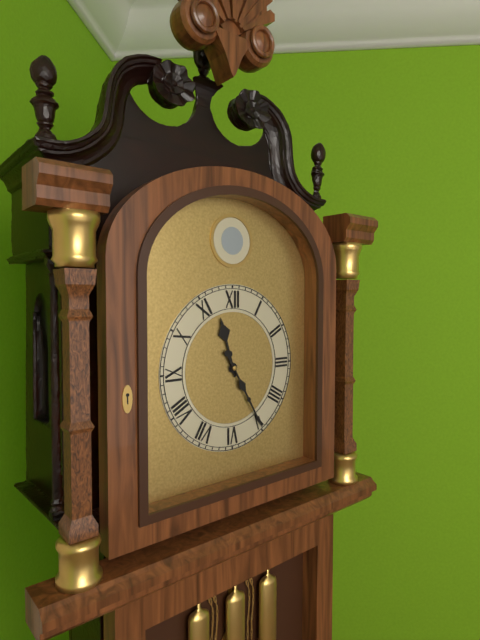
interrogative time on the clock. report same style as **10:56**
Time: **11:25**
